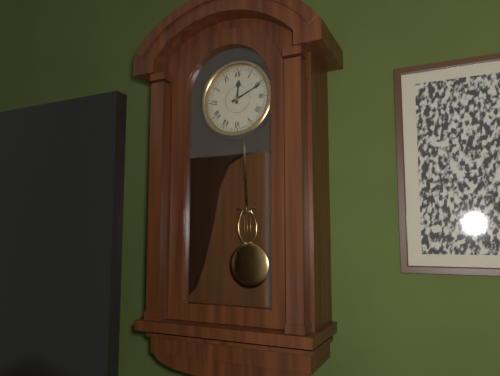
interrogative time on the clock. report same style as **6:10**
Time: **12:11**
